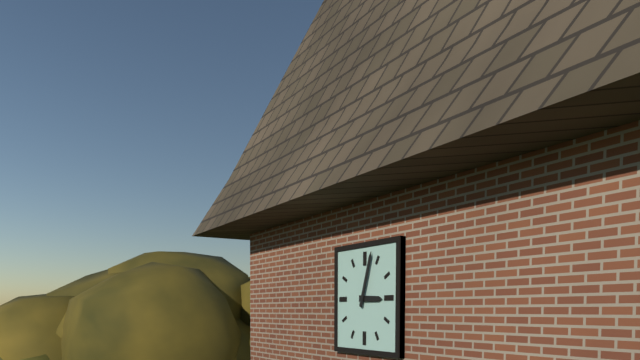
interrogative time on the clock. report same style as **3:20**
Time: **3:03**
